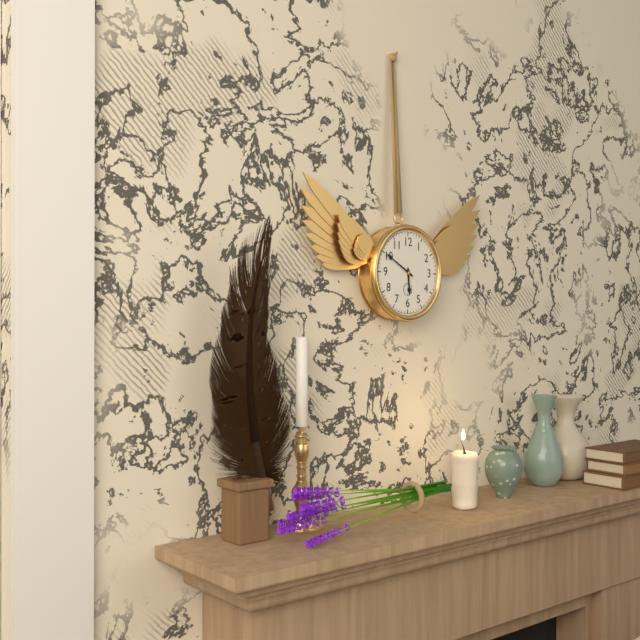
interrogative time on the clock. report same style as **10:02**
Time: **5:50**
